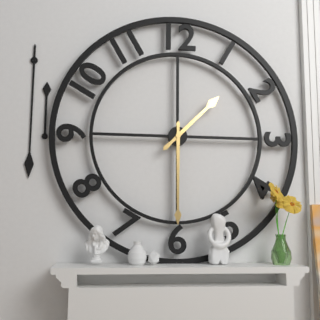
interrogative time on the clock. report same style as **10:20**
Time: **1:30**
